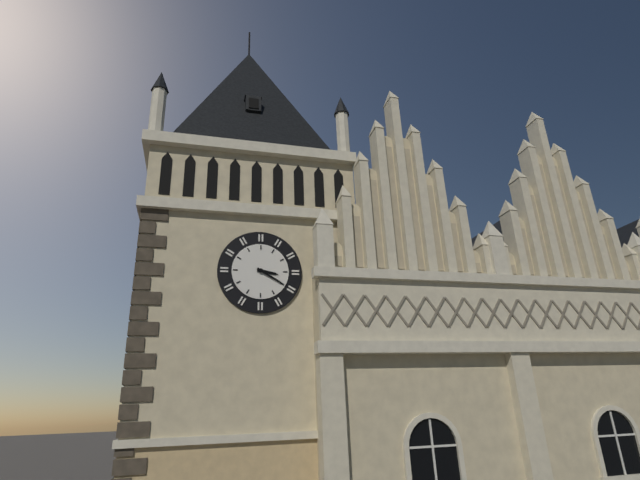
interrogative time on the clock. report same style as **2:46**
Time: **3:20**
